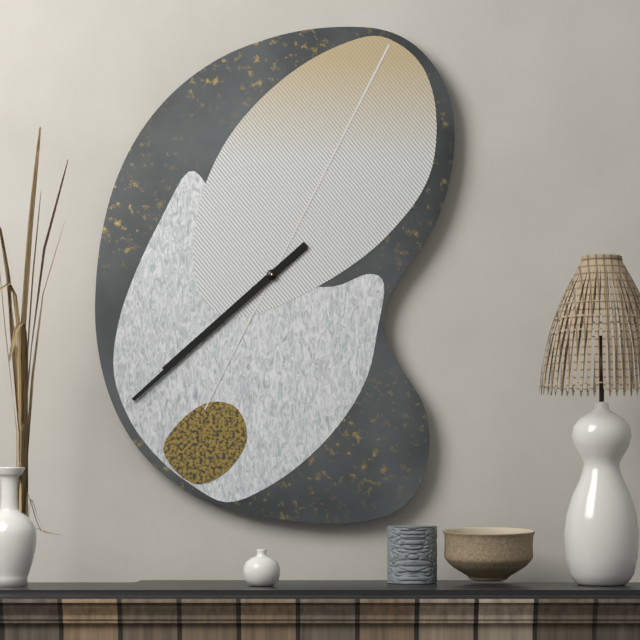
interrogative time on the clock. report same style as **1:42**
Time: **7:38**
